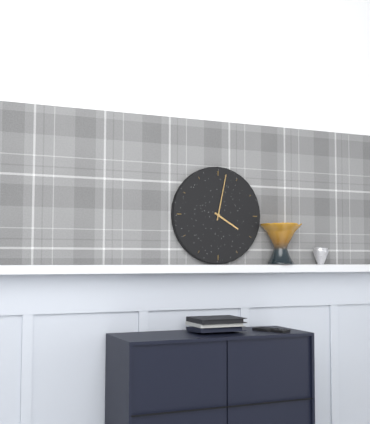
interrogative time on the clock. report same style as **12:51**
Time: **4:02**
